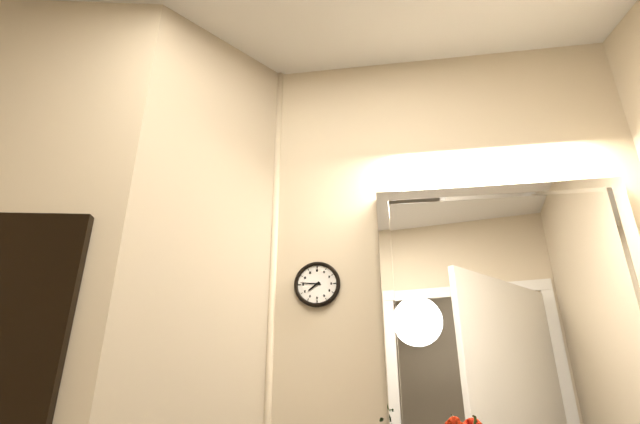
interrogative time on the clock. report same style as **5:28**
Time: **7:46**
